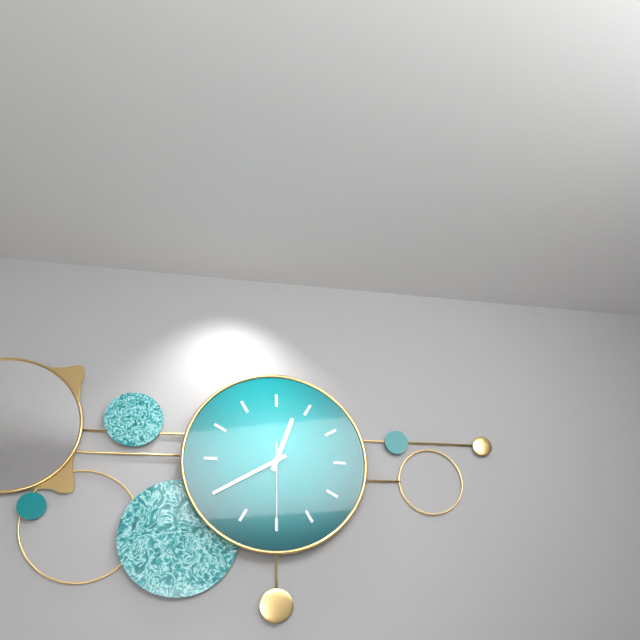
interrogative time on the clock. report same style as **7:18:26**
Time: **12:40:30**
